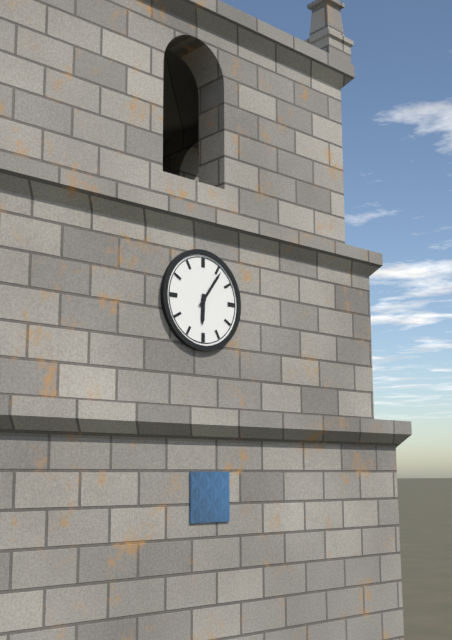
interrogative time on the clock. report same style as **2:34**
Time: **6:06**
